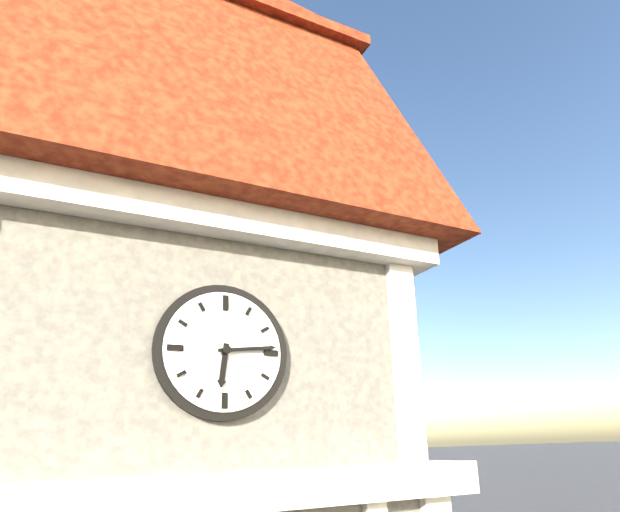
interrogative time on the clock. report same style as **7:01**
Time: **6:14**
